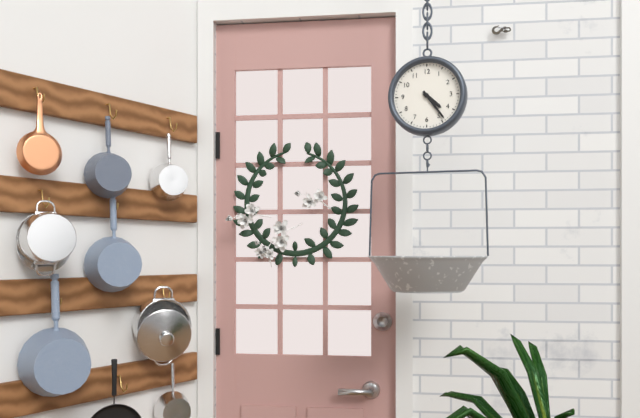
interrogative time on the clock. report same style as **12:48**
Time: **4:24**
